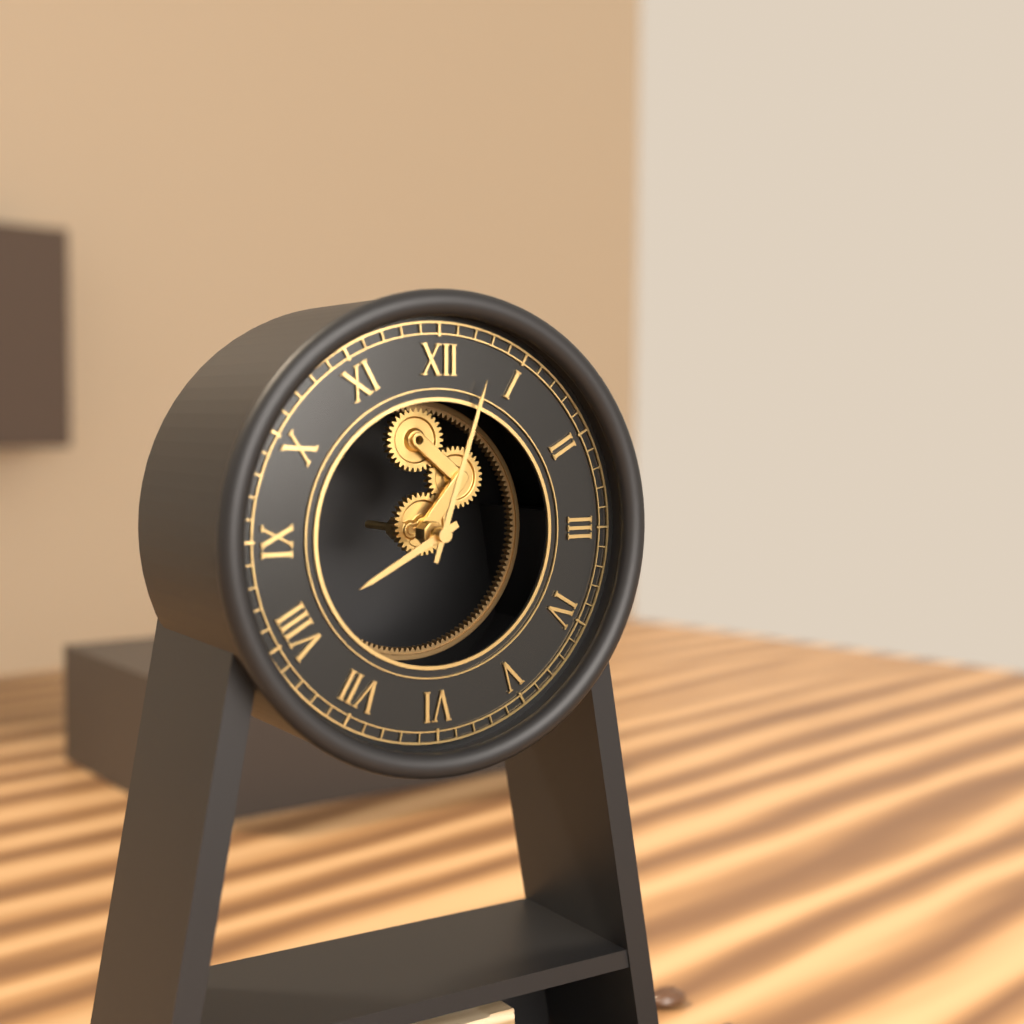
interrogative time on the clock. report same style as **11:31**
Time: **8:03**
